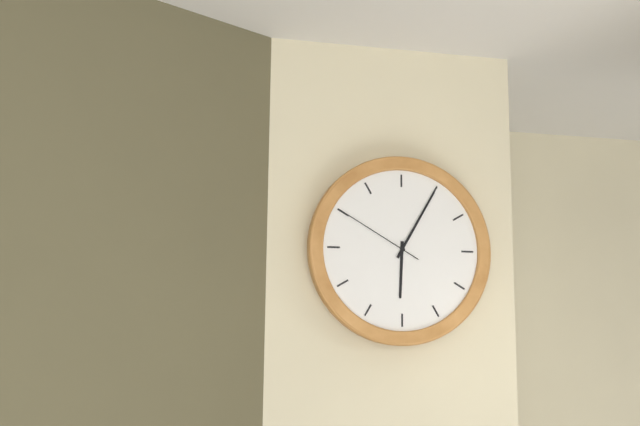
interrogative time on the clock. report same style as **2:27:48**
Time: **6:05:50**
